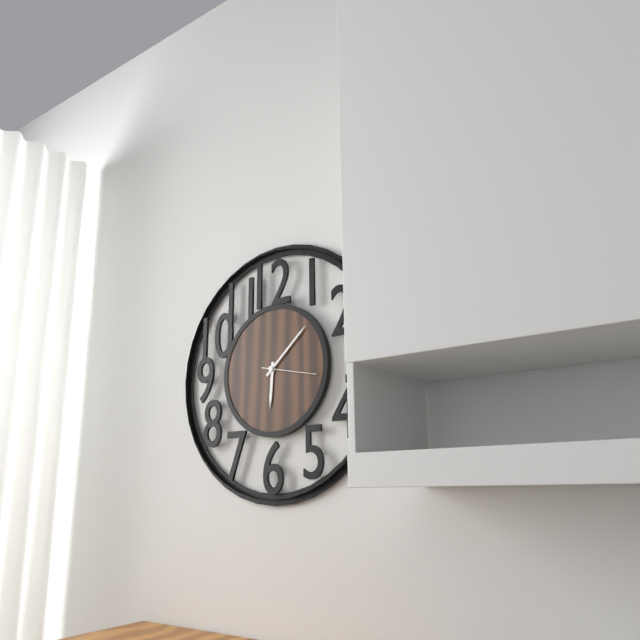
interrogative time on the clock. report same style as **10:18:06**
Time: **6:08:17**
